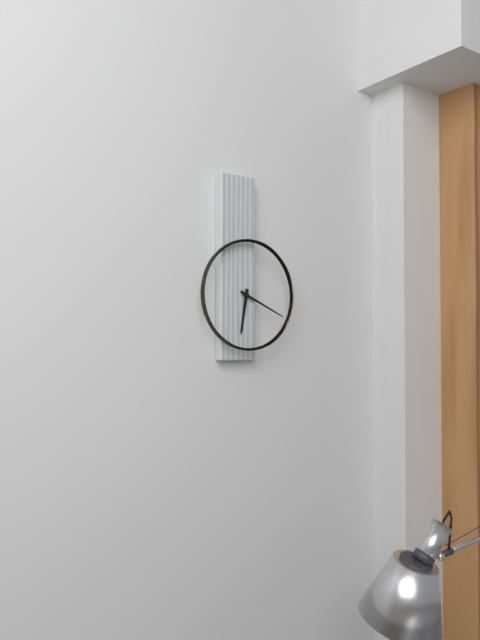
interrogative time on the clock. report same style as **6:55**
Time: **6:19**
